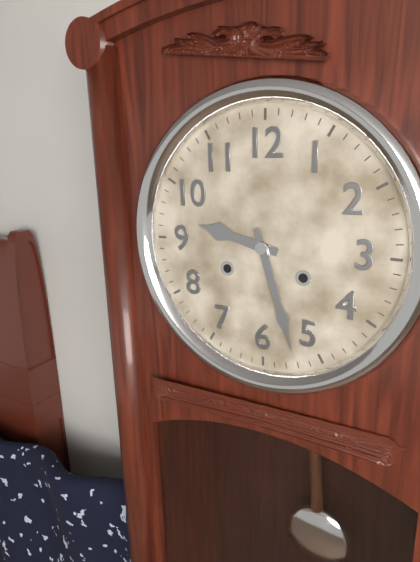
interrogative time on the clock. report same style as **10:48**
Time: **9:27**
